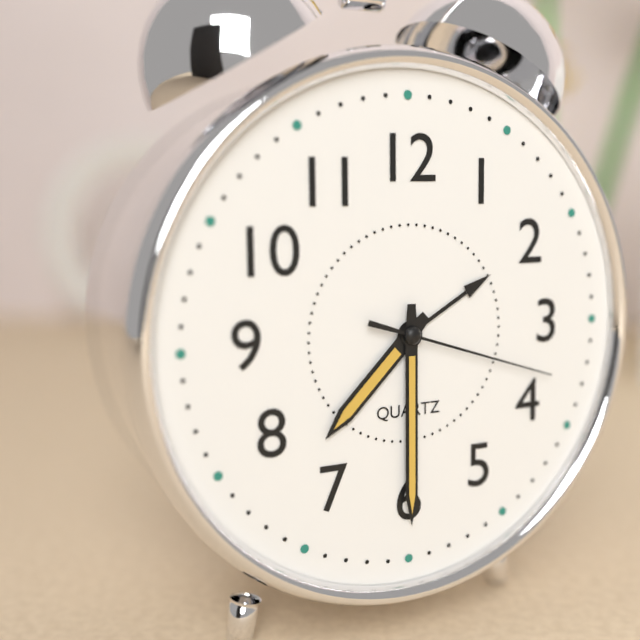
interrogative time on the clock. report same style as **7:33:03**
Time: **7:30:18**
